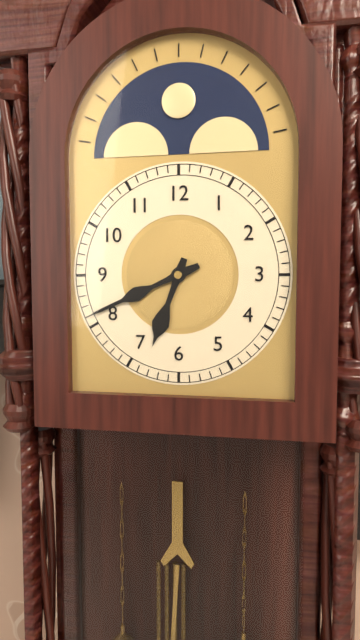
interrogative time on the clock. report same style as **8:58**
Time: **6:41**
